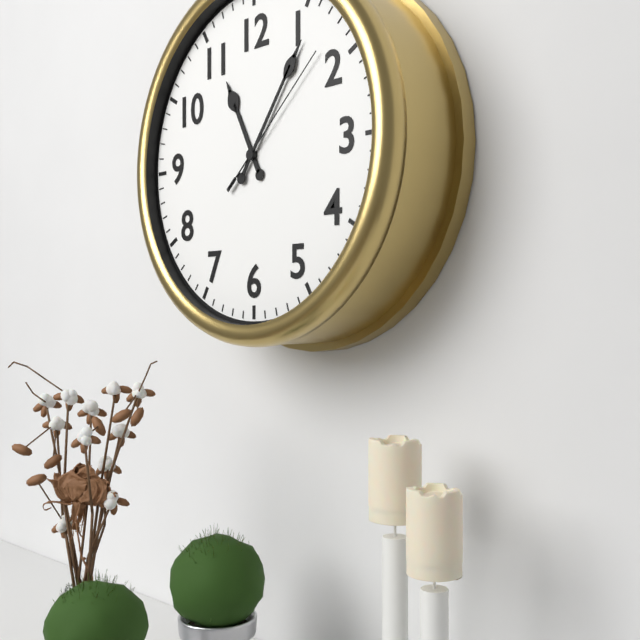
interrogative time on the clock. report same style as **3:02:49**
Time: **11:06:08**
